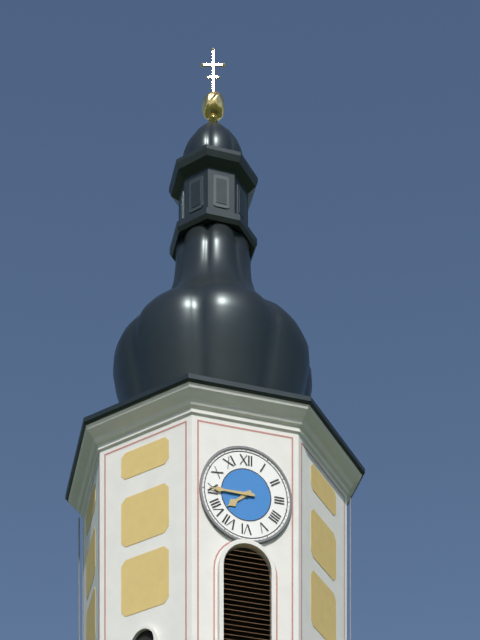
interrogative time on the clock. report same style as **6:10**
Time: **7:45**
